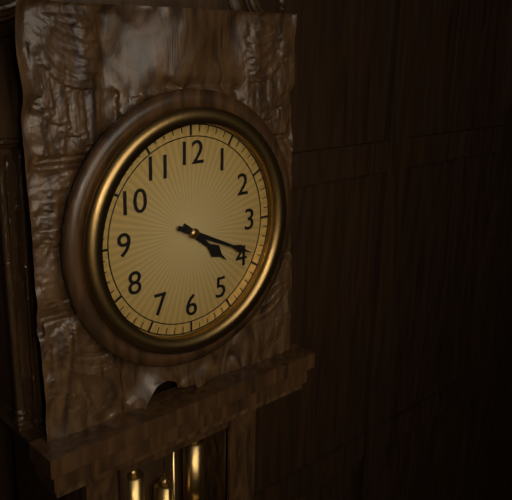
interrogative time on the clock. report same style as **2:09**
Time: **4:19**
